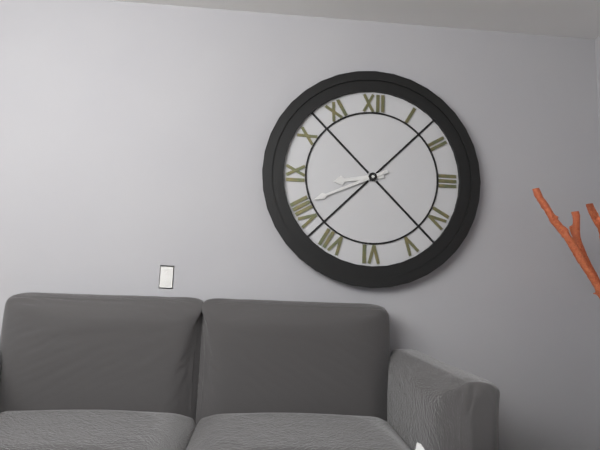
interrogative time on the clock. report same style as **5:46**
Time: **8:41**
